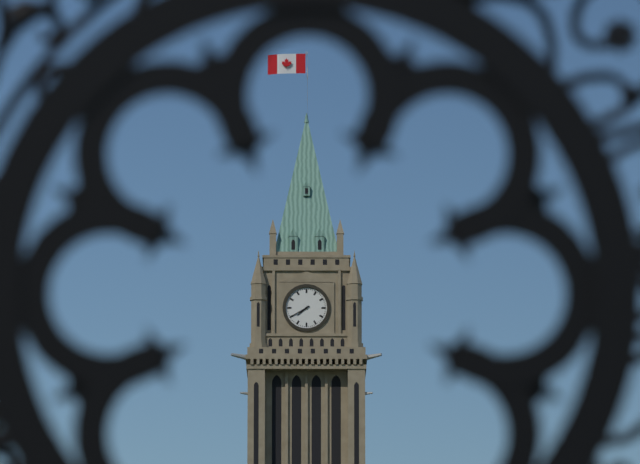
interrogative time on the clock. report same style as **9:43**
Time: **7:40**
